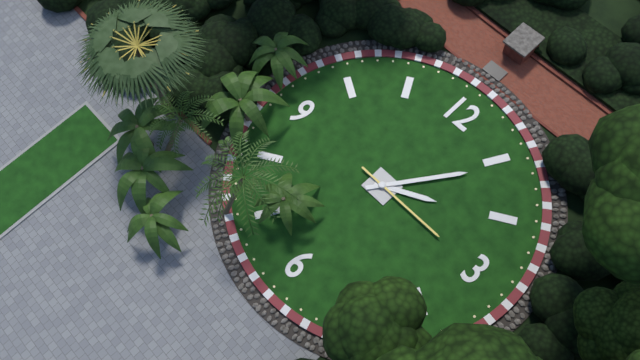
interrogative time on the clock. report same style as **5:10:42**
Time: **2:06:15**
